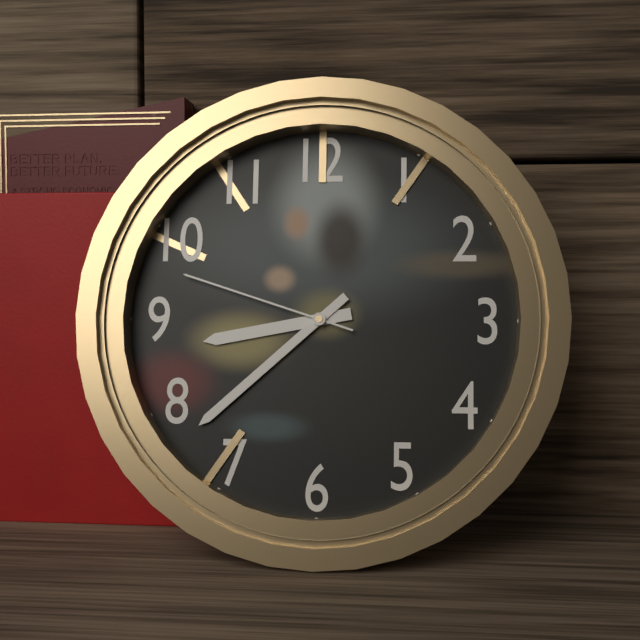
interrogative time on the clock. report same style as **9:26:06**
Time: **8:38:48**
